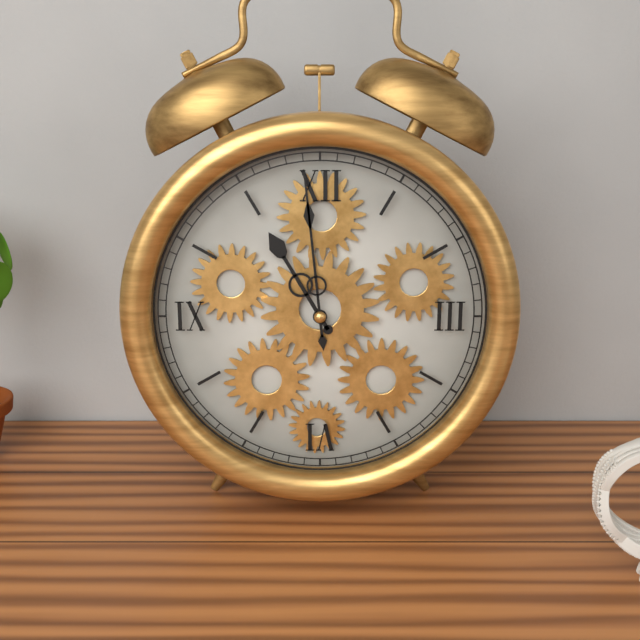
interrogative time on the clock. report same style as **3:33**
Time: **10:59**
